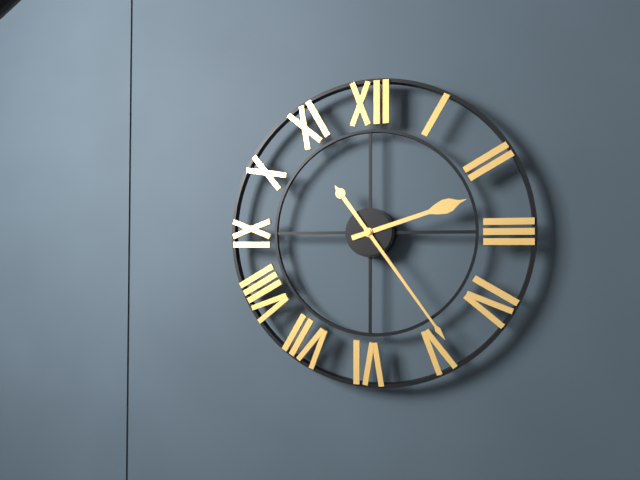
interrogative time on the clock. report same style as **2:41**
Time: **2:24**
